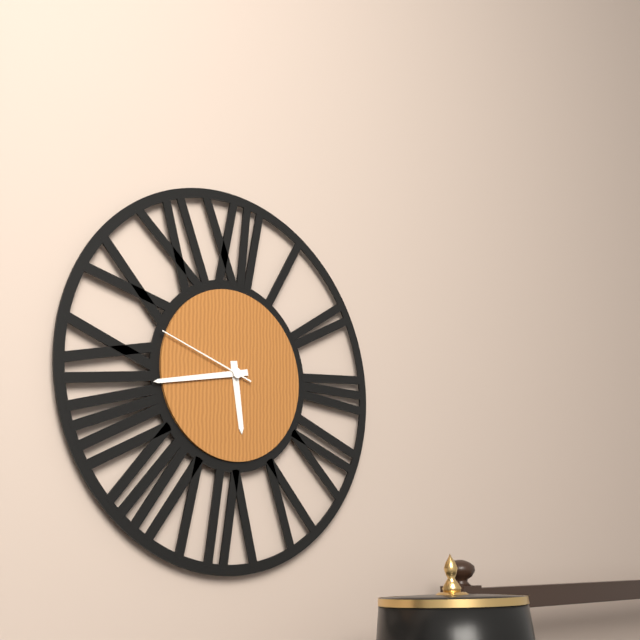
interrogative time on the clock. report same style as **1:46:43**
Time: **5:43:48**
